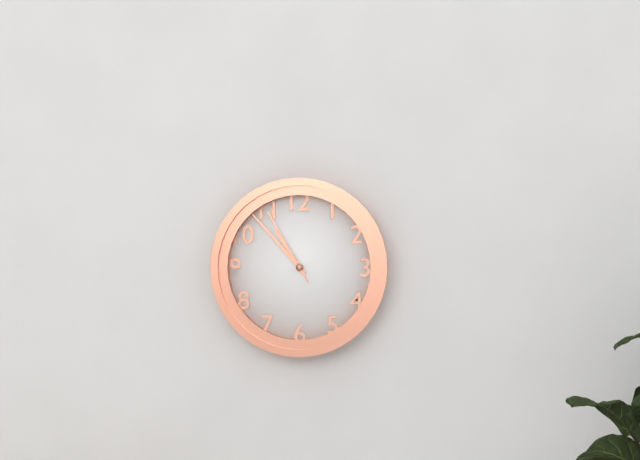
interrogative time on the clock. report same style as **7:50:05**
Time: **10:53:55**
